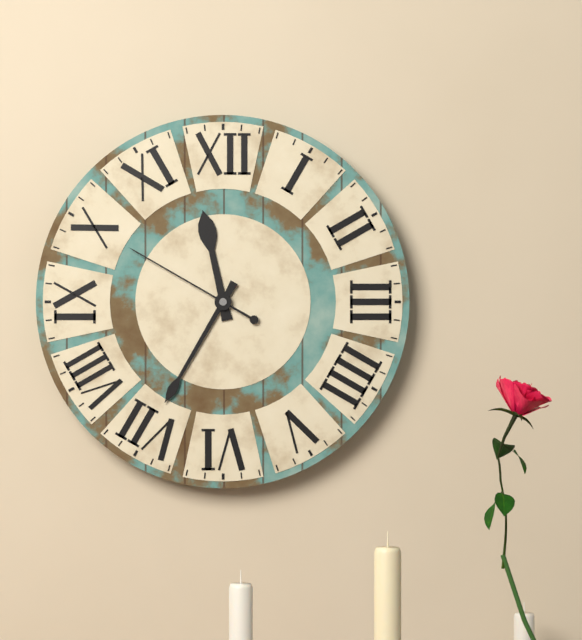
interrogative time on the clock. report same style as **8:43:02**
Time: **11:35:50**
